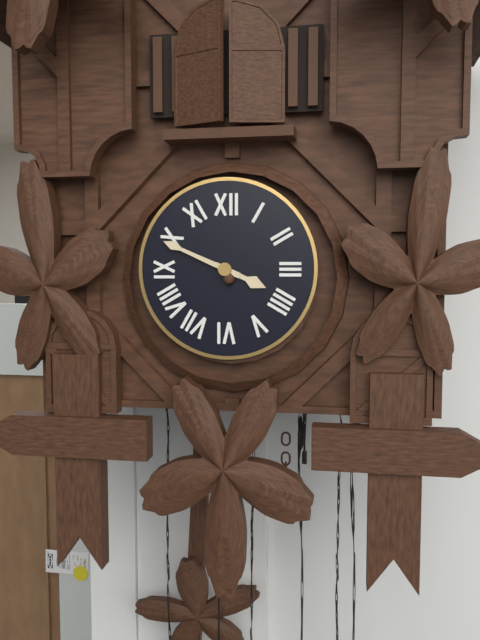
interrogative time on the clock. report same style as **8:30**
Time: **3:49**
